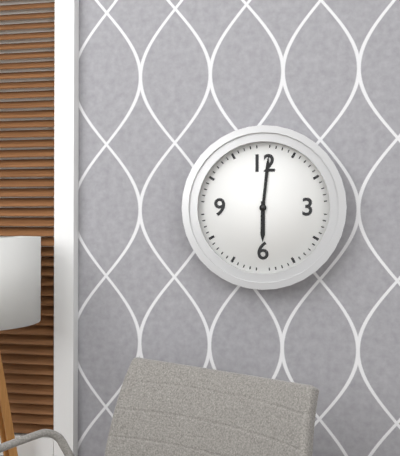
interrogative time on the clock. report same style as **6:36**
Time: **6:01**
